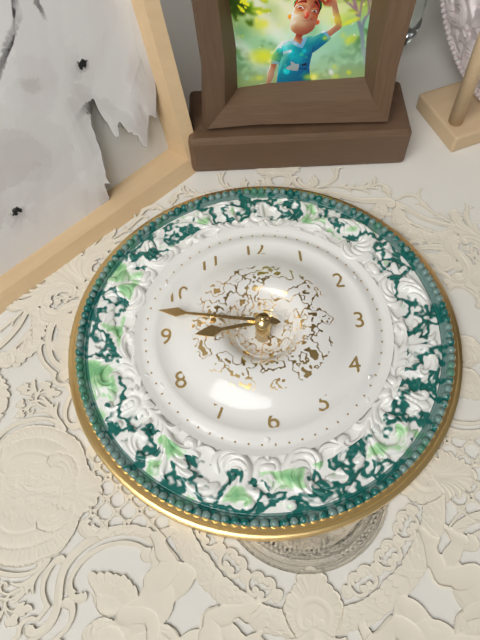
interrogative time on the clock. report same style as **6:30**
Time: **8:47**
